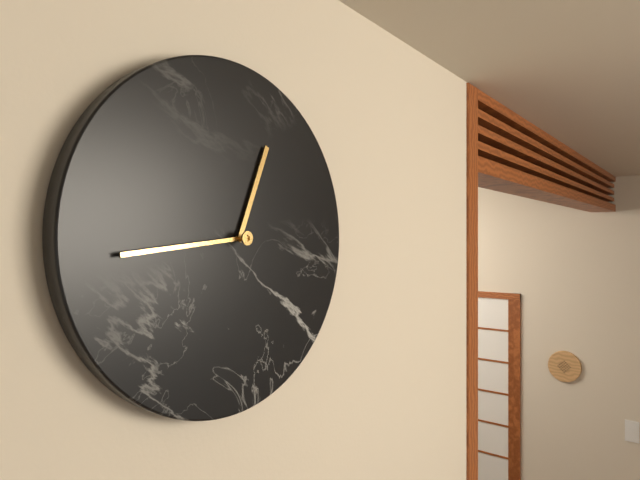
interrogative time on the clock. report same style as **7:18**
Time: **12:44**
